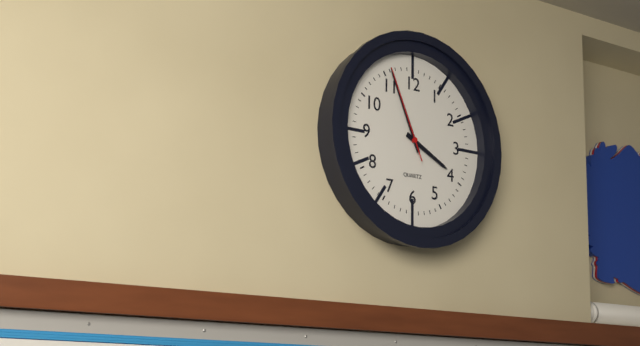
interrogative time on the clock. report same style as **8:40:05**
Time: **3:56:56**
